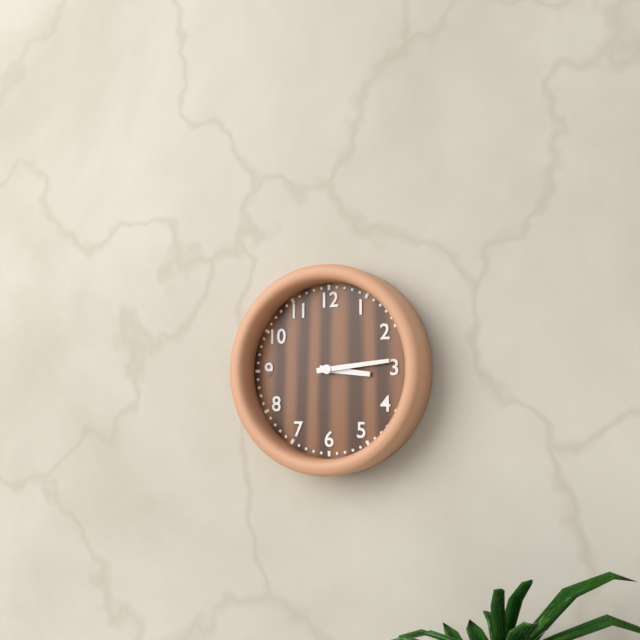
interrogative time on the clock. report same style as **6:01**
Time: **3:14**
